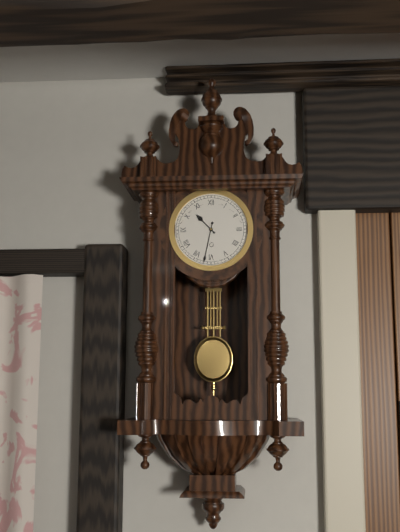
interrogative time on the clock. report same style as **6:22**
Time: **10:32**
